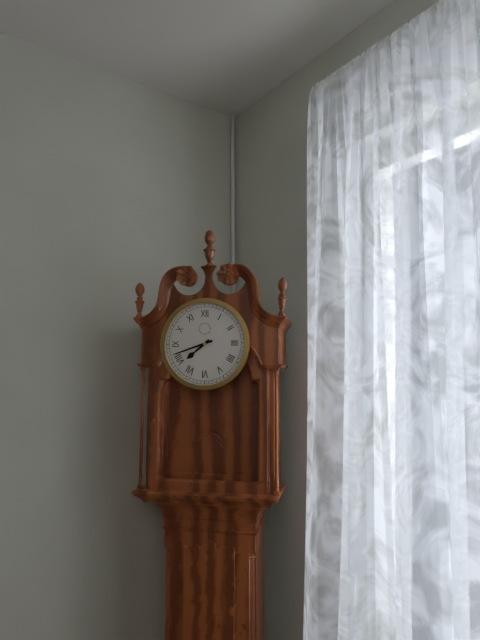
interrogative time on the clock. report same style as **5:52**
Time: **7:42**
